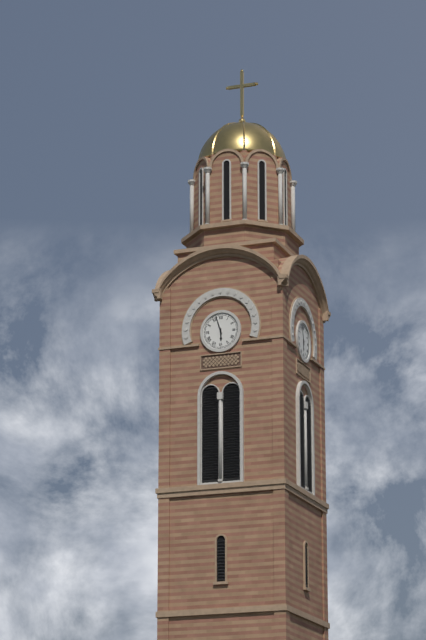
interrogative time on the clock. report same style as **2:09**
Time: **5:57**
